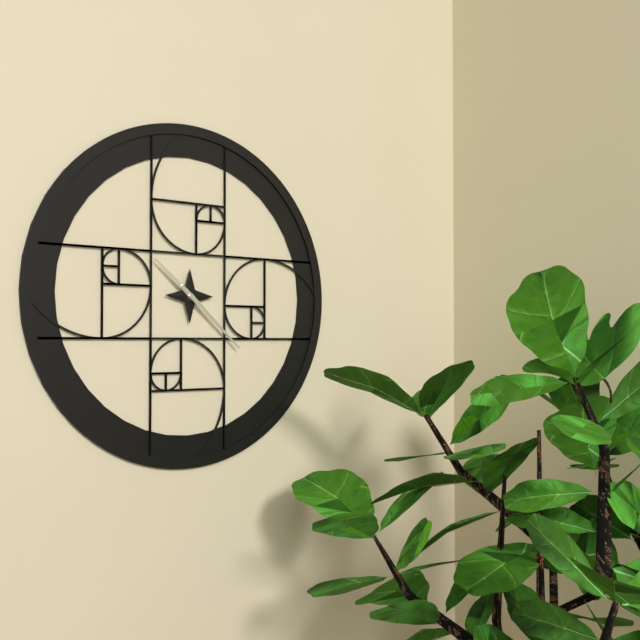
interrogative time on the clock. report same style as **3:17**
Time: **10:22**
